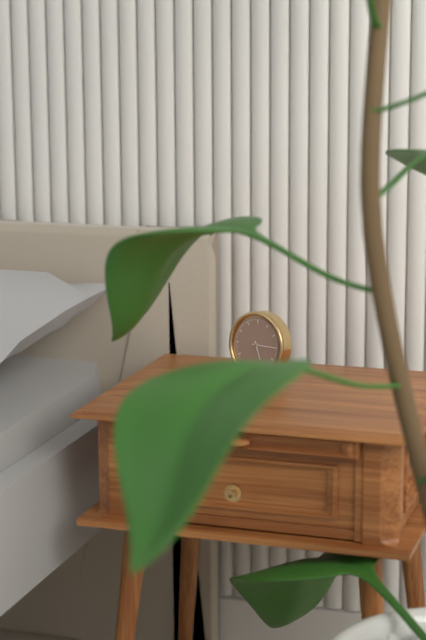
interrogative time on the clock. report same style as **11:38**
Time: **5:15**
